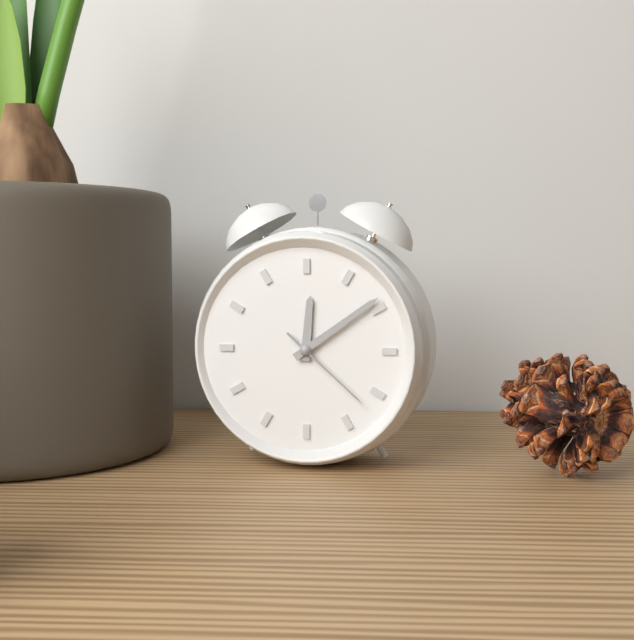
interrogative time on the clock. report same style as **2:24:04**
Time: **12:09:22**
